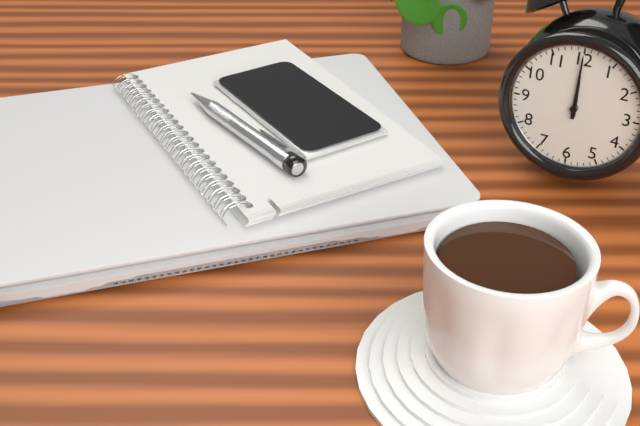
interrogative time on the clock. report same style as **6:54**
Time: **12:00**
